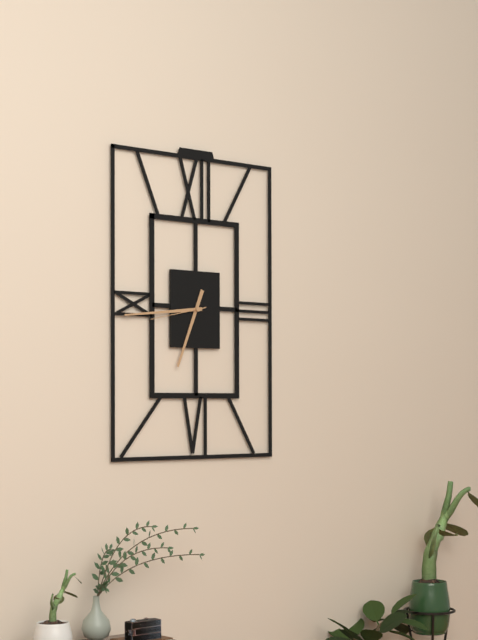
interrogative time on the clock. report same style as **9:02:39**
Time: **6:44:43**
